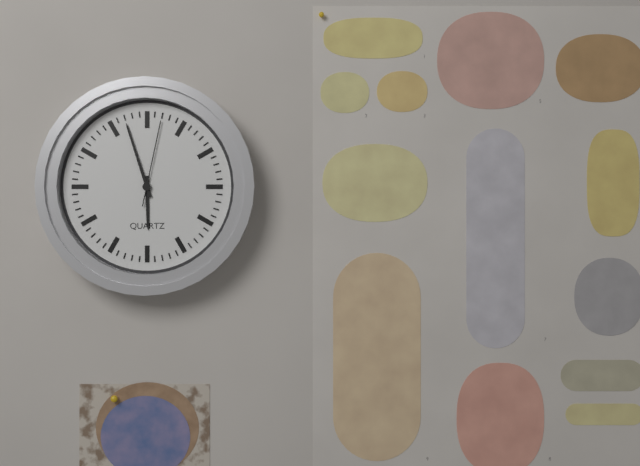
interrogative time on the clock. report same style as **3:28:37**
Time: **5:57:02**
